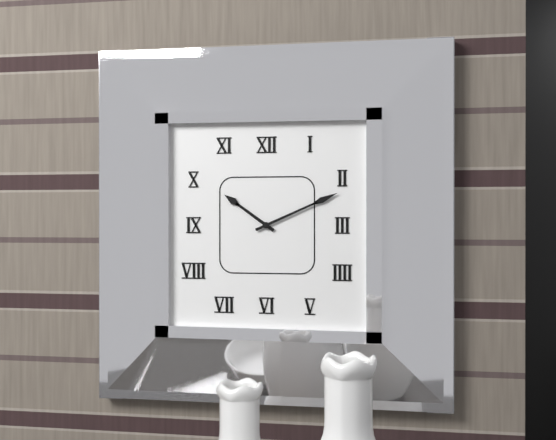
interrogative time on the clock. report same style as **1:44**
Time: **10:11**
